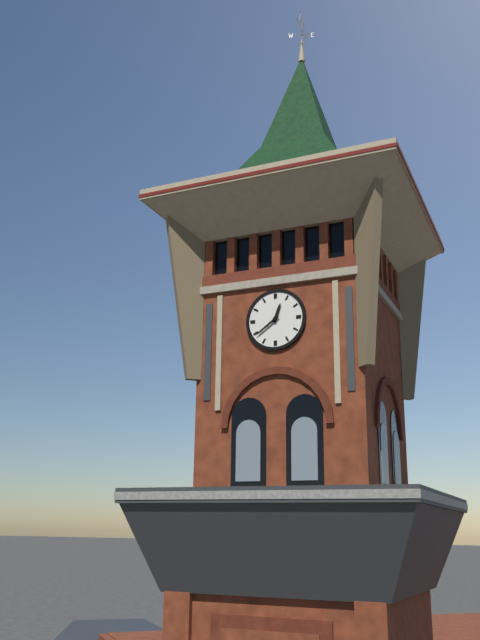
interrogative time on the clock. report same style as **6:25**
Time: **12:39**
